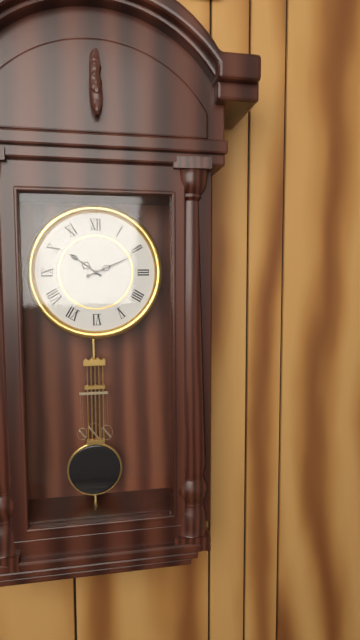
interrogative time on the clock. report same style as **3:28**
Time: **10:11**
